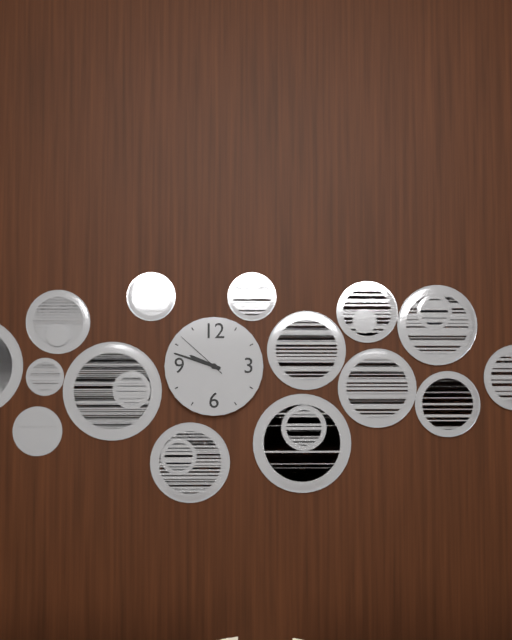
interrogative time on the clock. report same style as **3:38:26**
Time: **9:48:52**
